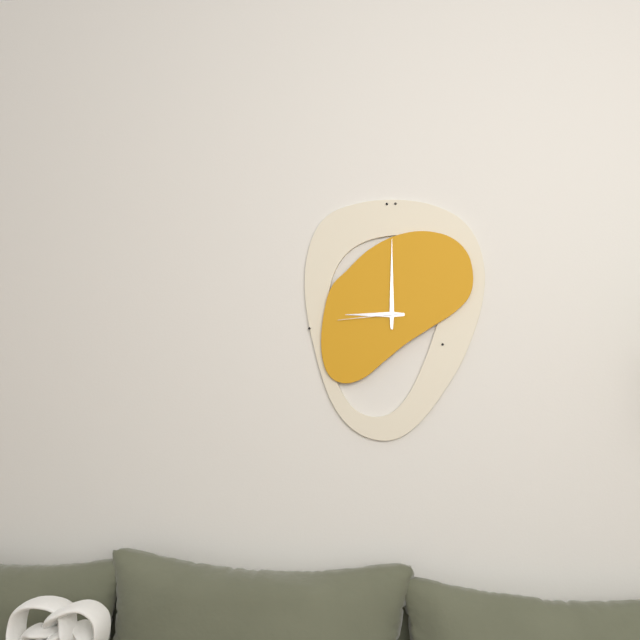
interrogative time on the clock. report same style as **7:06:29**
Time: **9:00:44**
